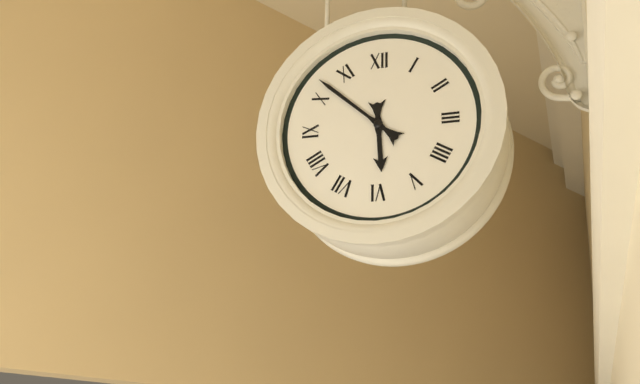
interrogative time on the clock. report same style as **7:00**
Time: **5:52**
